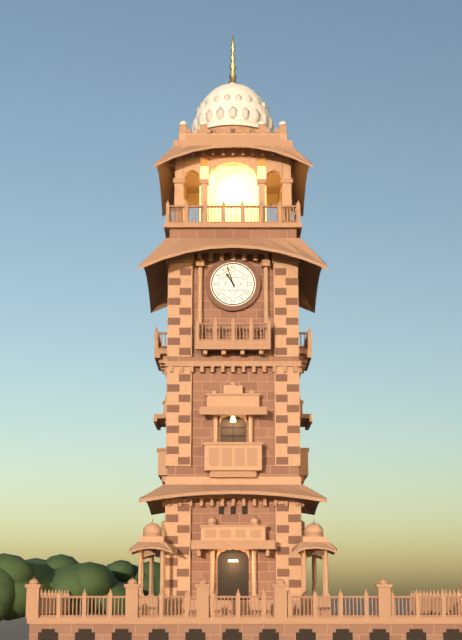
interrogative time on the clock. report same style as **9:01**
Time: **10:57**
